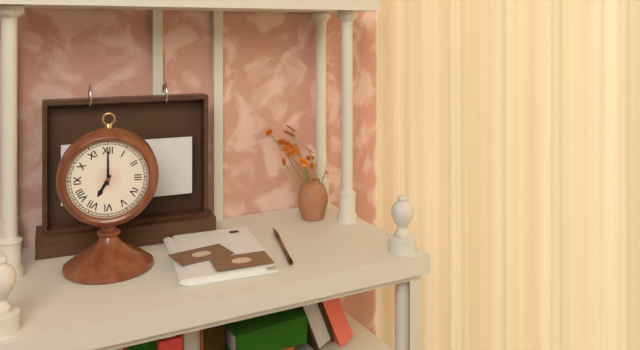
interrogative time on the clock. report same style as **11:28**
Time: **7:00**
